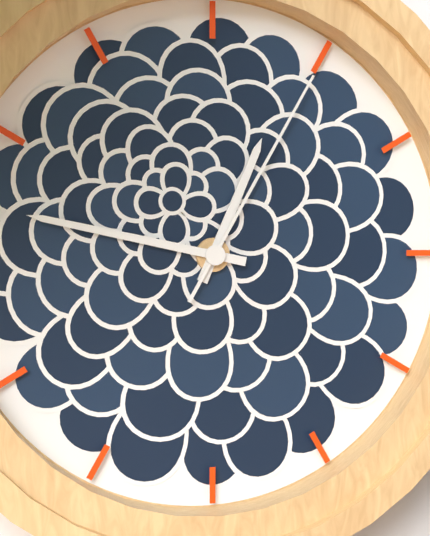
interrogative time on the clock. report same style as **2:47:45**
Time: **12:47:05**
